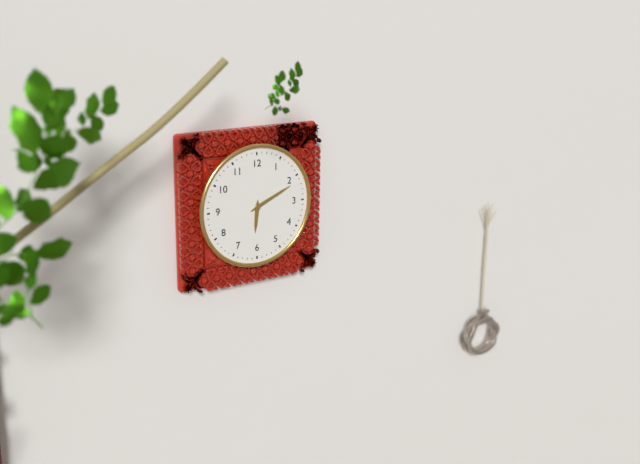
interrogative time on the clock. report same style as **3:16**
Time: **6:11**
